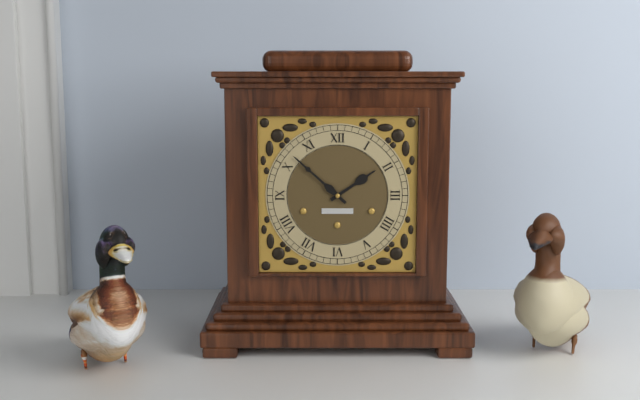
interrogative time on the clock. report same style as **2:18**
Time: **1:52**
